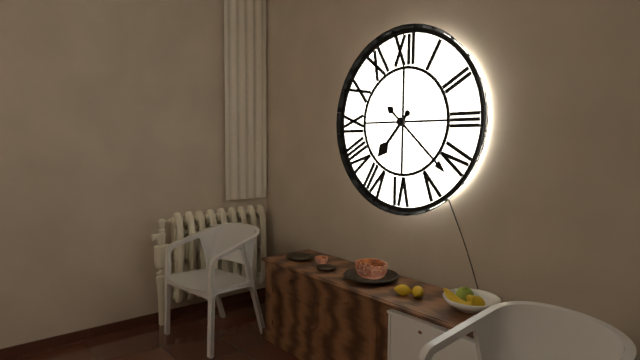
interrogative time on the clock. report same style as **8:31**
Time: **7:22**
